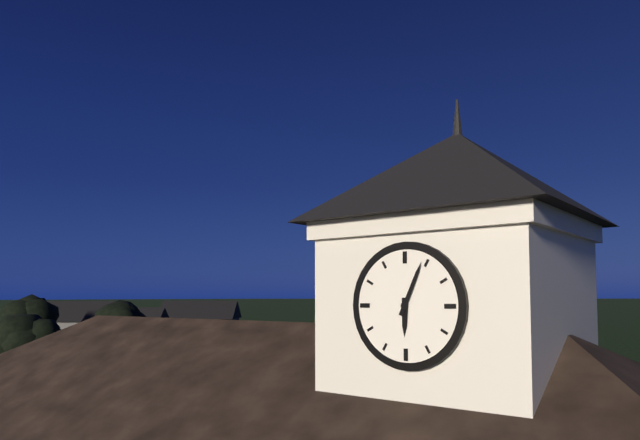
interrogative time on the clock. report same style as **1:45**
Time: **6:04**
